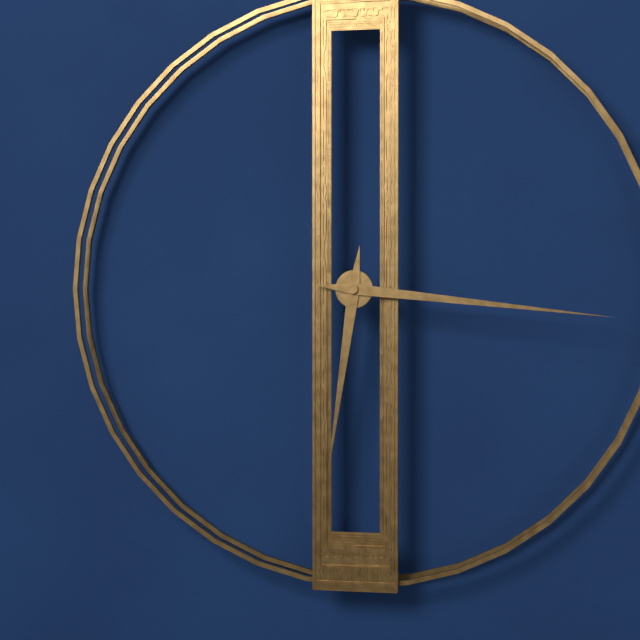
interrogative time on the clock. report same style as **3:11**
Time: **6:16**
